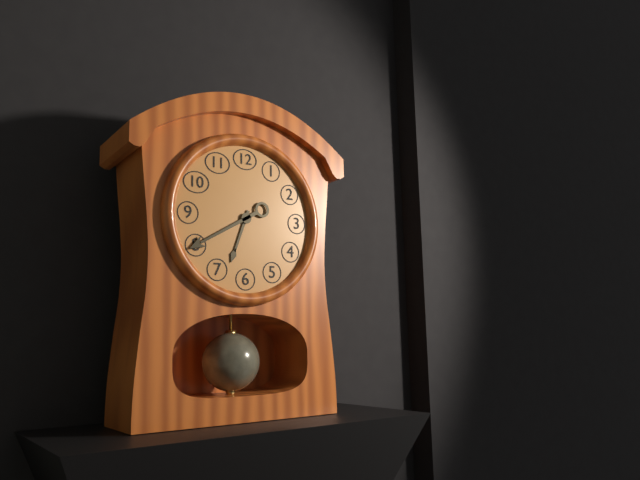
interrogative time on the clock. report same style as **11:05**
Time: **6:40**
